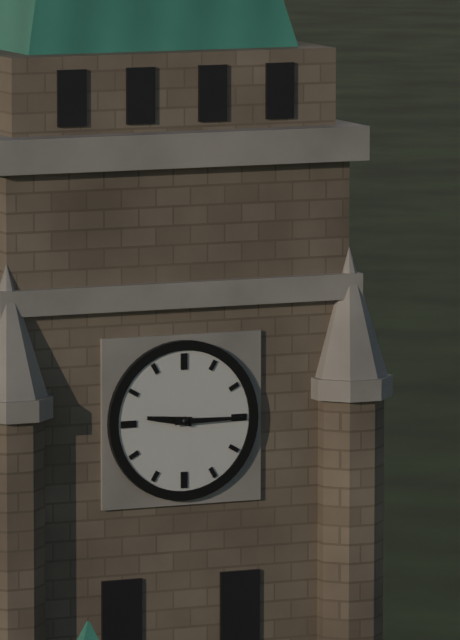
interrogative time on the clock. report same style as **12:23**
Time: **9:15**
